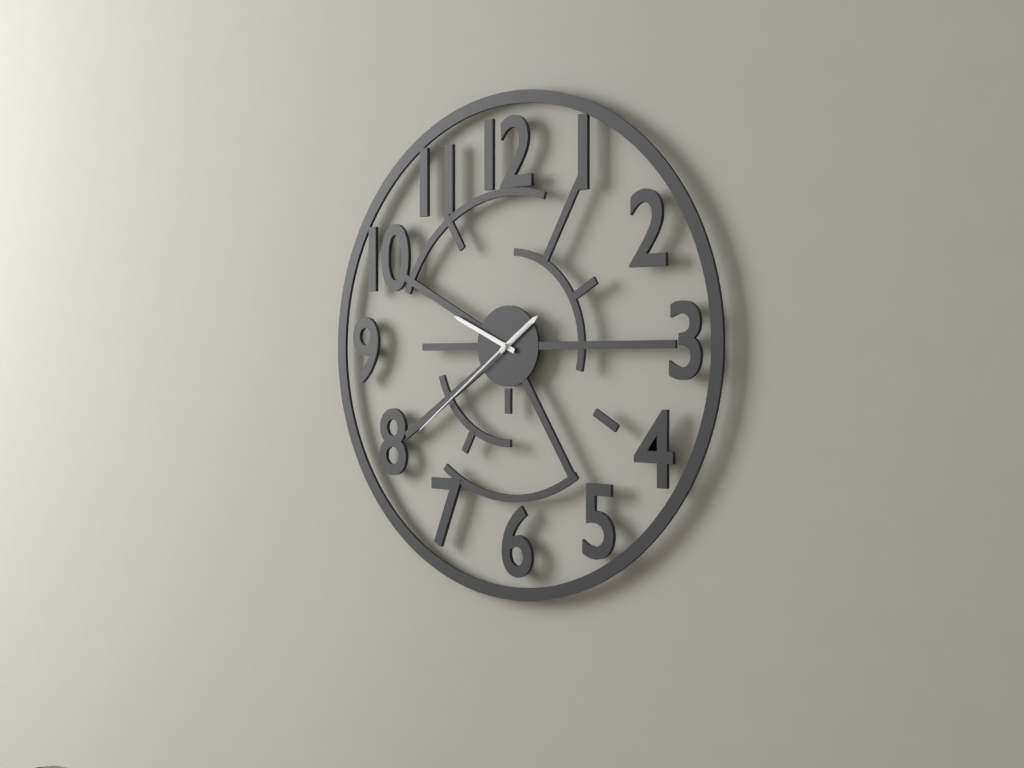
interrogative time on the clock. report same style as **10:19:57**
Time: **1:49:39**
